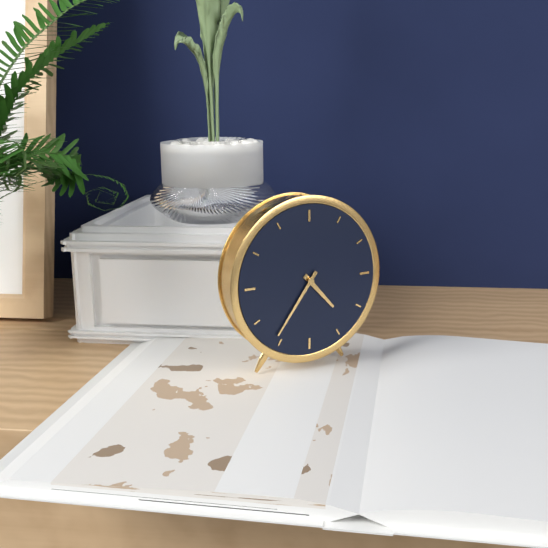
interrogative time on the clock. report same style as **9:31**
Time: **4:36**
